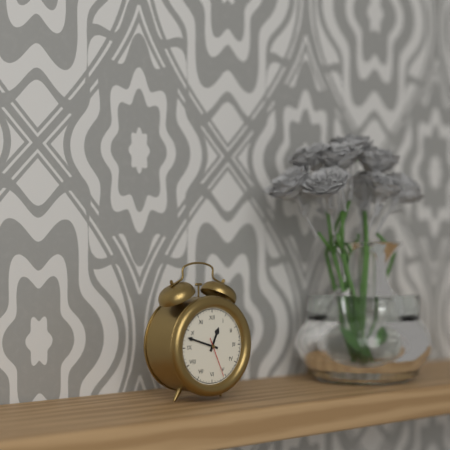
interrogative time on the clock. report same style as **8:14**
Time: **12:48**
